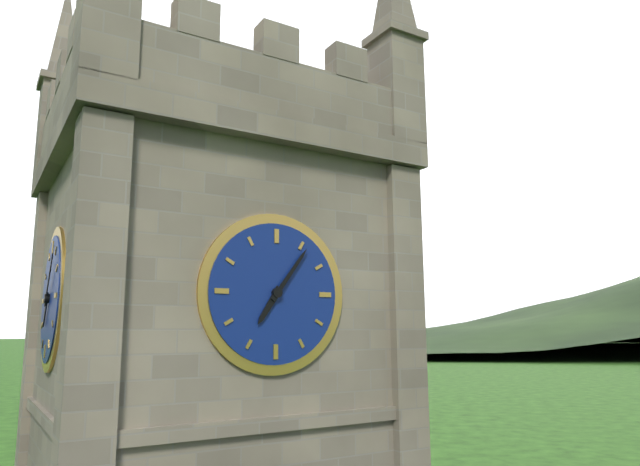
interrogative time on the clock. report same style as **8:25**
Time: **7:06**
